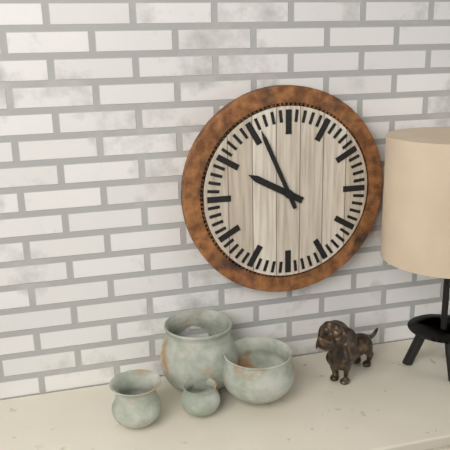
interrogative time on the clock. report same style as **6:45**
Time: **9:56**
